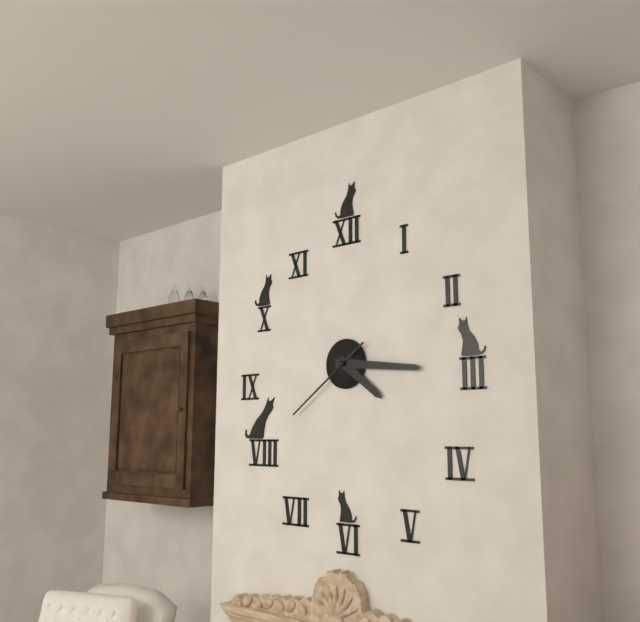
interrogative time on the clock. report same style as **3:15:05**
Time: **4:16:39**
